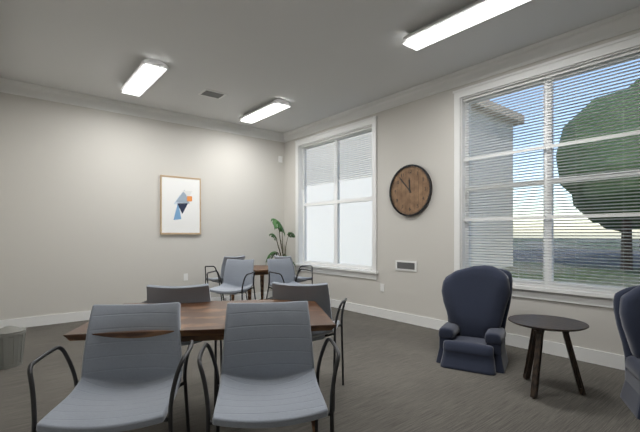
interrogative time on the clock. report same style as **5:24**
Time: **11:53**
